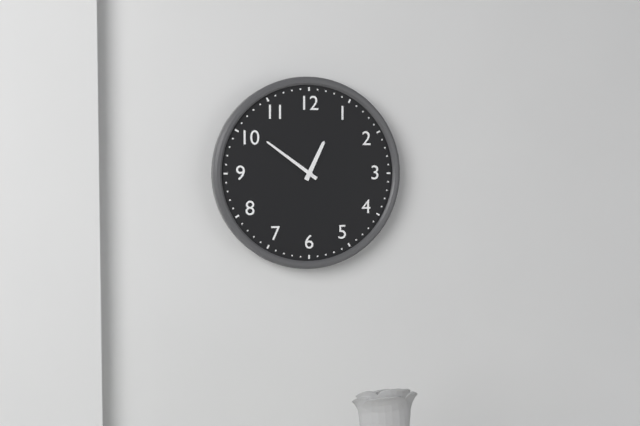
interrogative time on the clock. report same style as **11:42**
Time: **12:51**
